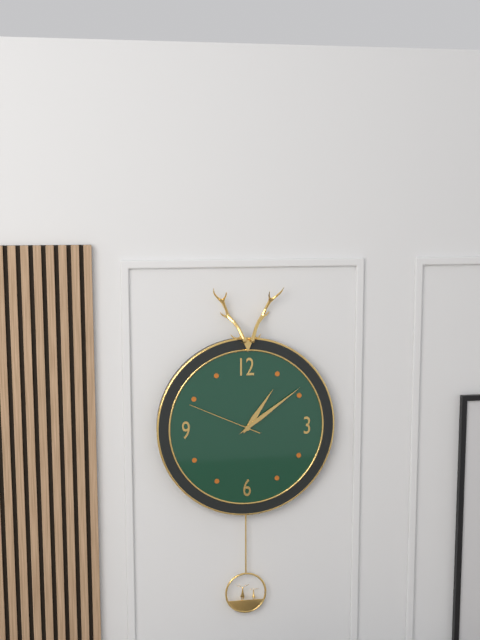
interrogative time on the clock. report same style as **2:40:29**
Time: **1:09:49**
